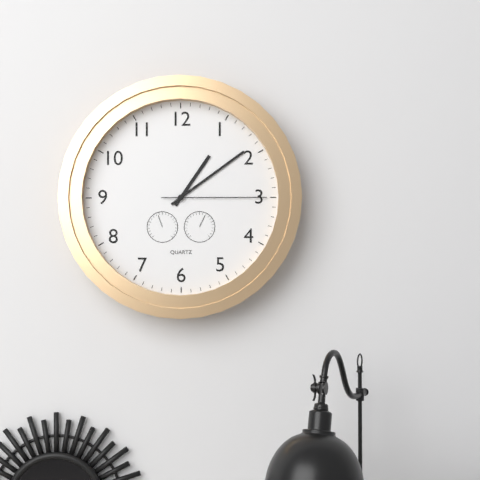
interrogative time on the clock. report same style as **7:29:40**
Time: **1:09:15**
